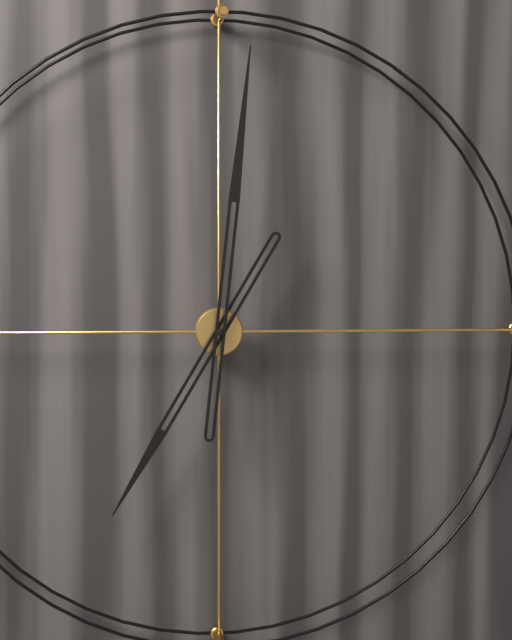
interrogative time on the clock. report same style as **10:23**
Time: **7:01**
